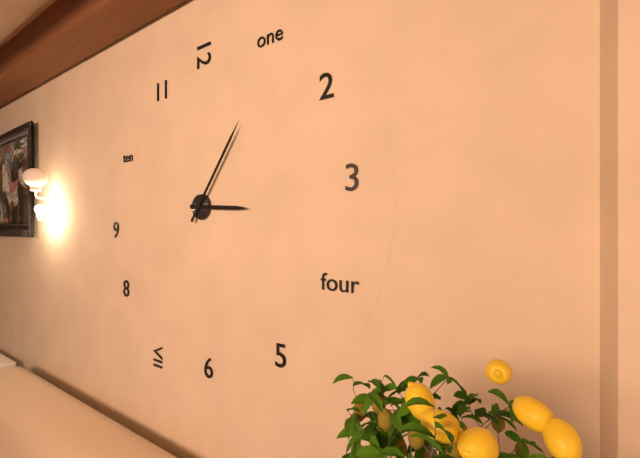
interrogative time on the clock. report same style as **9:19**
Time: **3:06**
